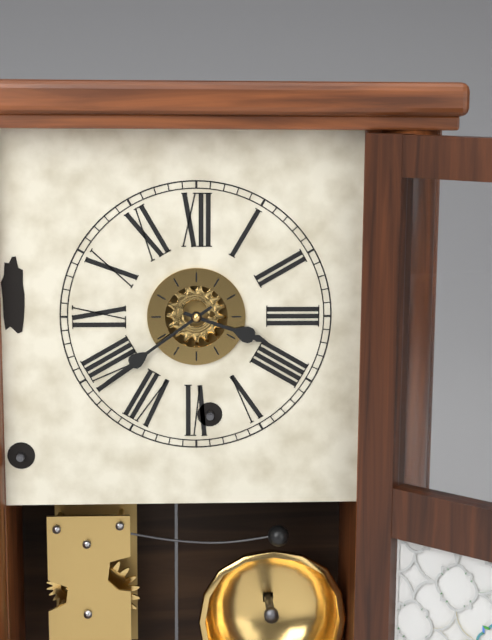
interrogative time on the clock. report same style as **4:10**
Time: **3:39**
